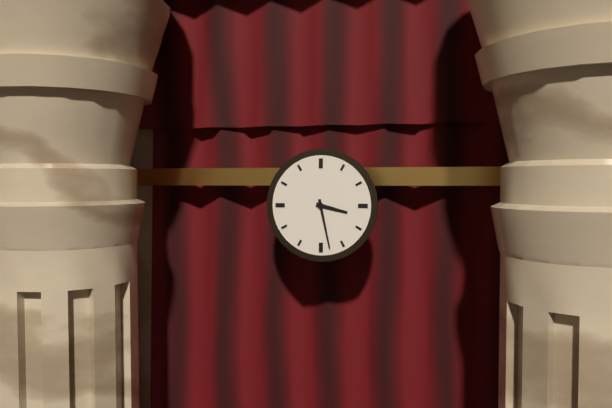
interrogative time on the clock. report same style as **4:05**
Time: **3:28**
